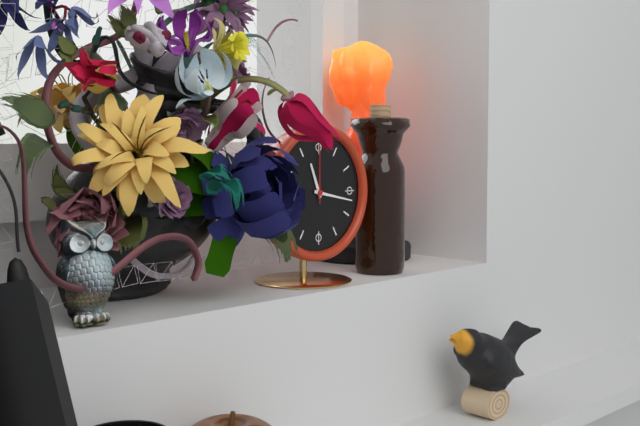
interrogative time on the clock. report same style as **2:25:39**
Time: **11:17:00**
